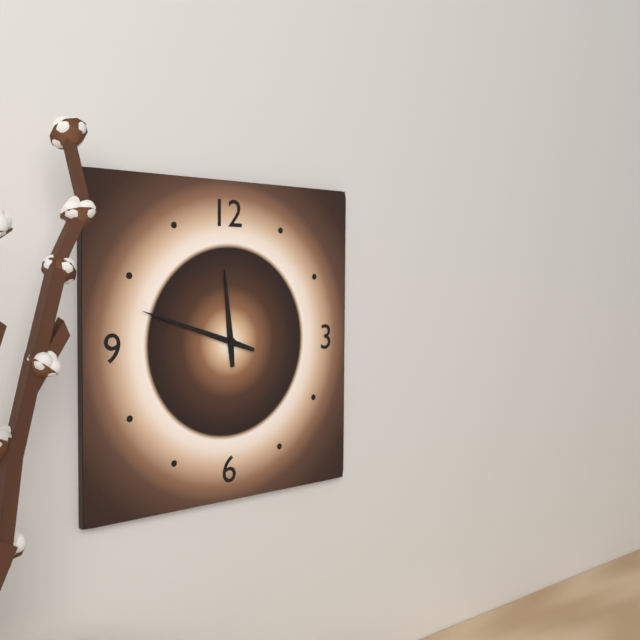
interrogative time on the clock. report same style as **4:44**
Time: **11:48**
